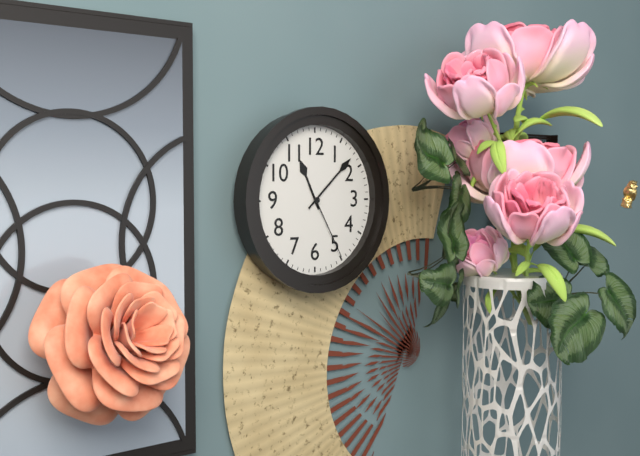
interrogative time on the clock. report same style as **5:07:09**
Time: **11:08:25**
